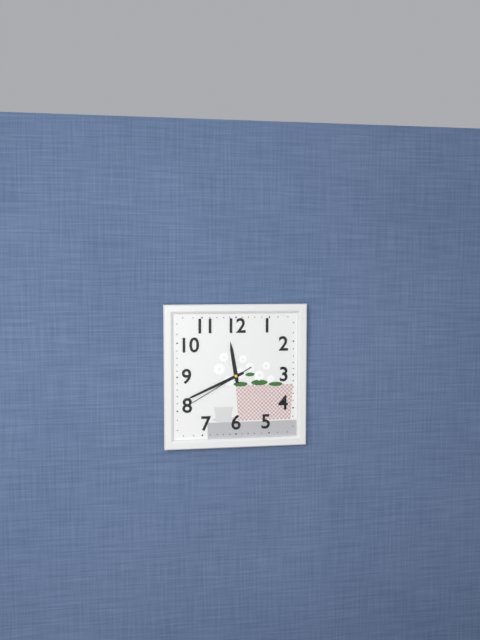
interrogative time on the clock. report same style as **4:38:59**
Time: **11:41:40**
